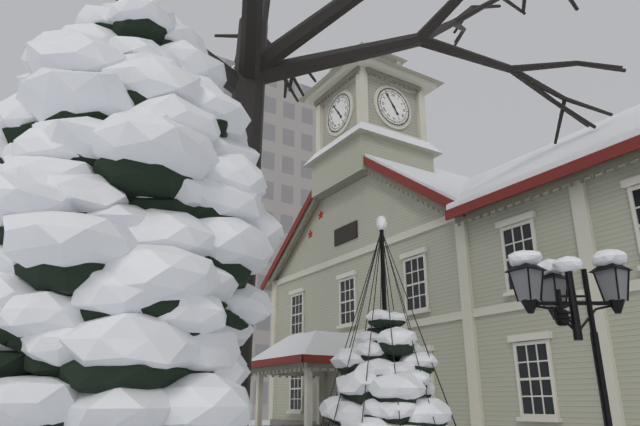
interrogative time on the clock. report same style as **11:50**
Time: **4:54**
